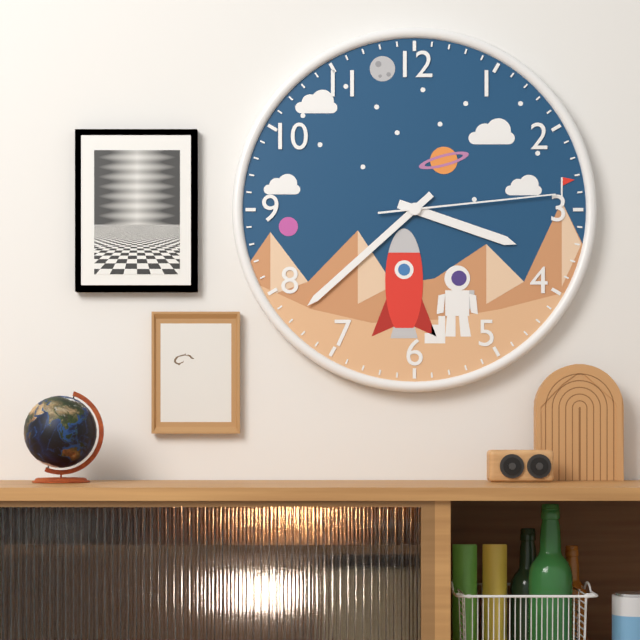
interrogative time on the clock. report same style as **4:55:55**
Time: **3:38:14**
